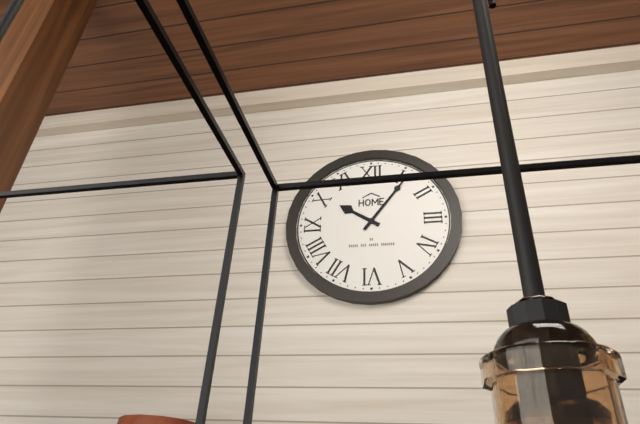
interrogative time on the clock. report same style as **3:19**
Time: **10:06**
